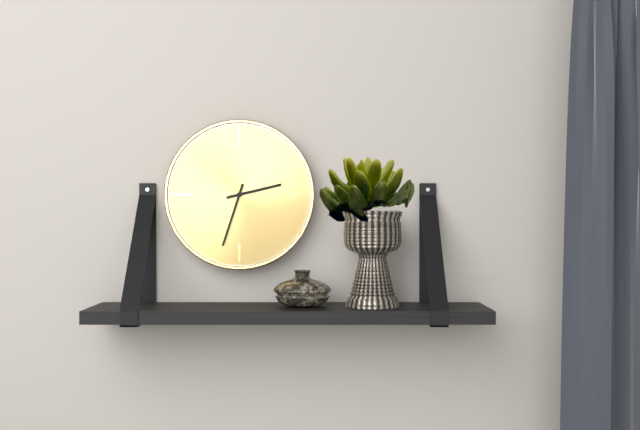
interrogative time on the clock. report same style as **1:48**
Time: **2:33**
